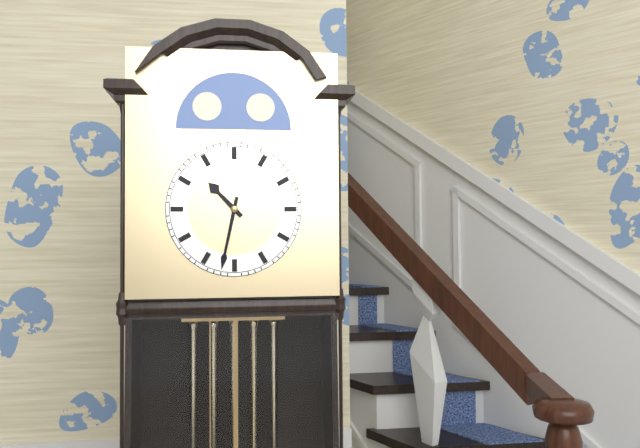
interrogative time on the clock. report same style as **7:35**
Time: **10:32**
